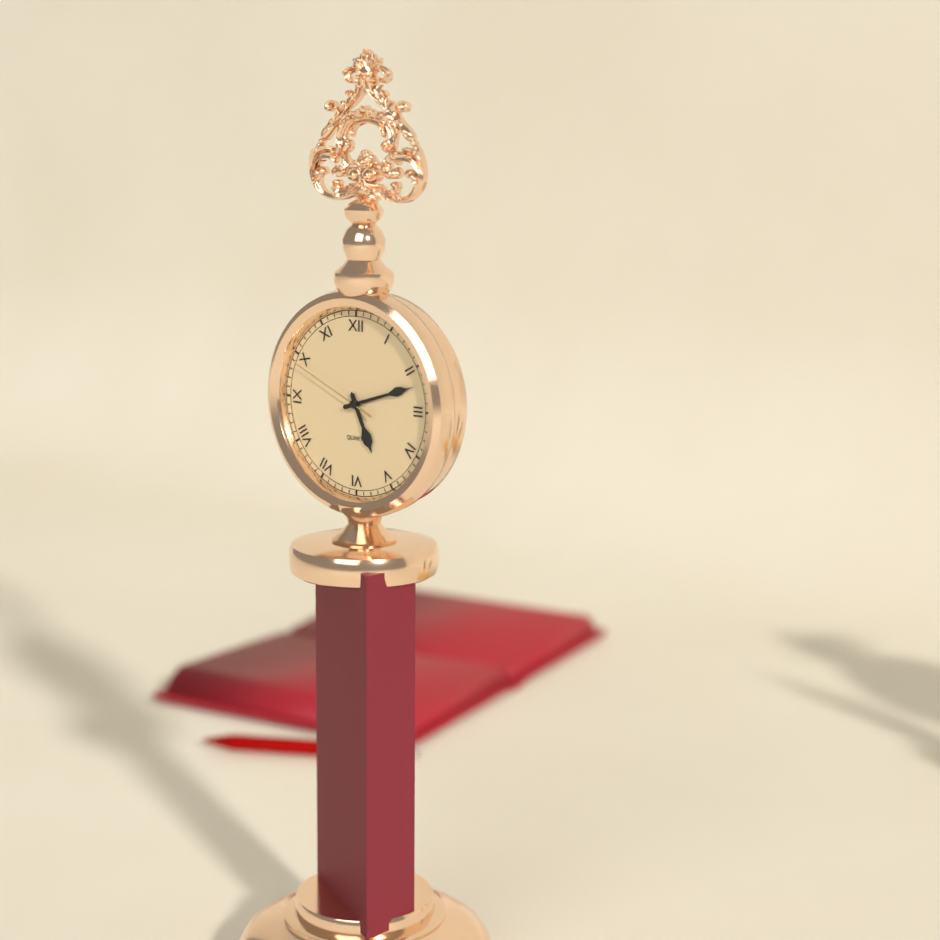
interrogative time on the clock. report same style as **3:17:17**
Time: **5:12:49**
